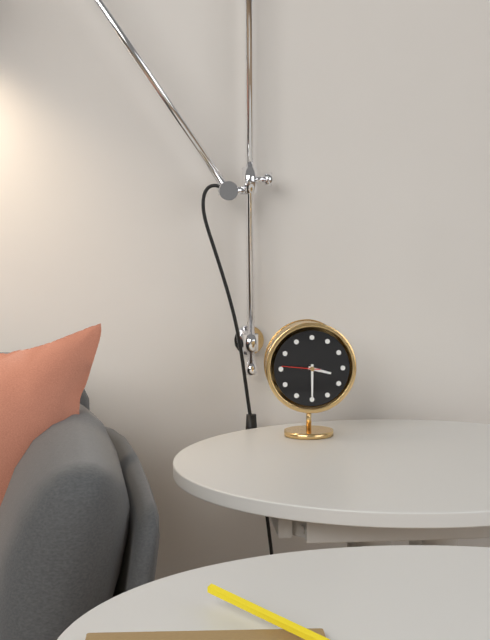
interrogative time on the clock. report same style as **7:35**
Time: **3:30**
